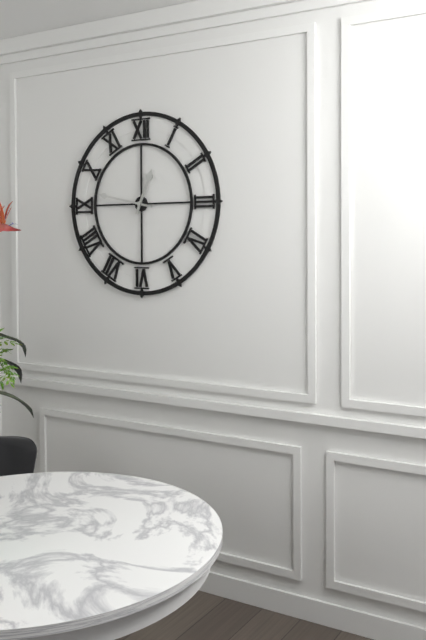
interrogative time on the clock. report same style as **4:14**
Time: **12:47**
